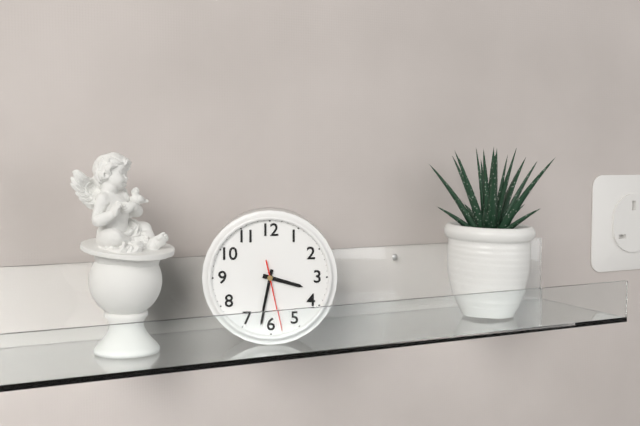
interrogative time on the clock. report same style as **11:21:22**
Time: **3:32:28**
